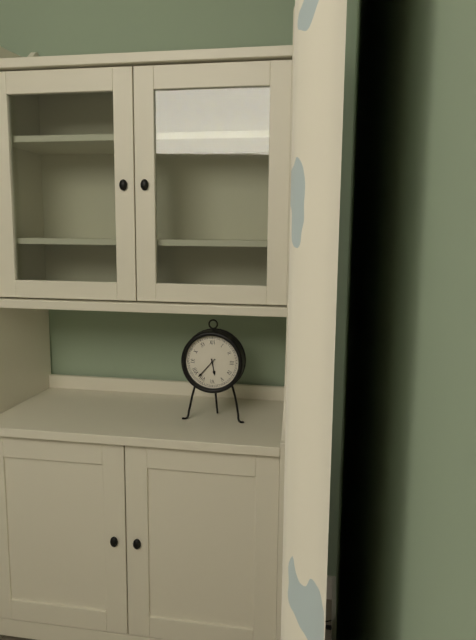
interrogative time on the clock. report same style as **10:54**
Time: **5:37**
